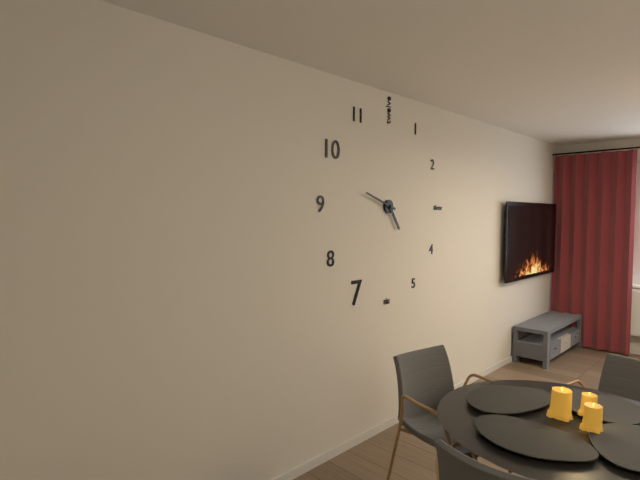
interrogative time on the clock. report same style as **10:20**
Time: **4:48**
